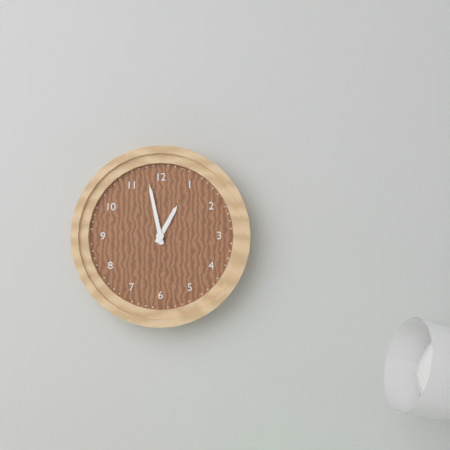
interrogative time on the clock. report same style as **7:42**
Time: **12:58**
